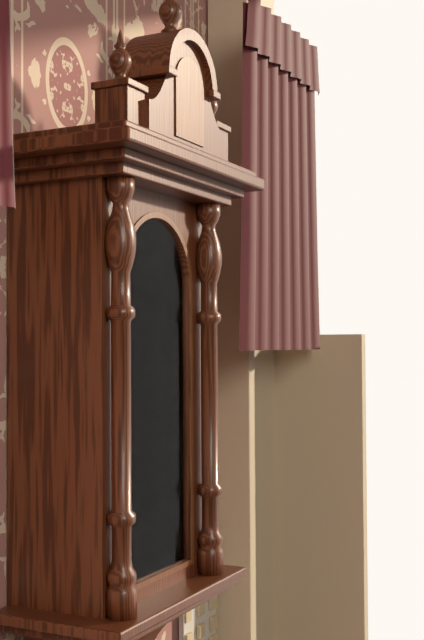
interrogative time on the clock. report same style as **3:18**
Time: **5:09**
